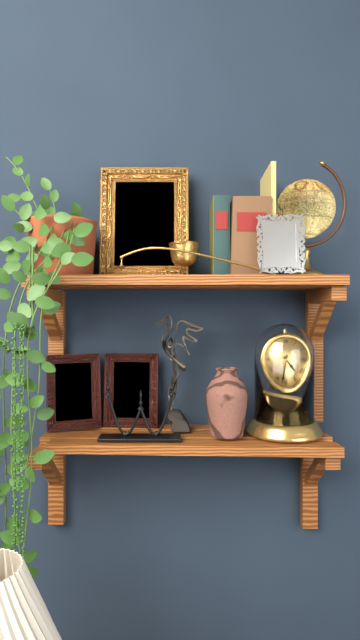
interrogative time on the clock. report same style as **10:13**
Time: **4:32**
